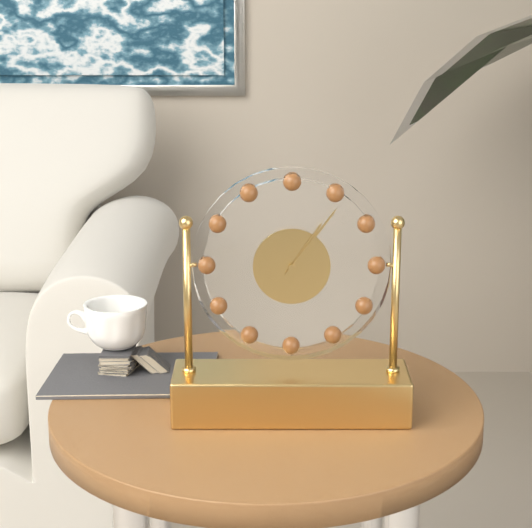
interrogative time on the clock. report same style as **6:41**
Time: **1:06**
